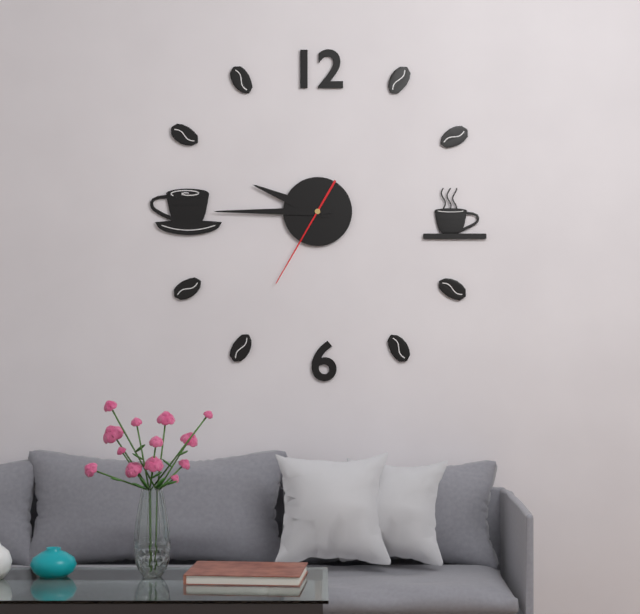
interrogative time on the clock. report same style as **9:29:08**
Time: **9:45:35**
